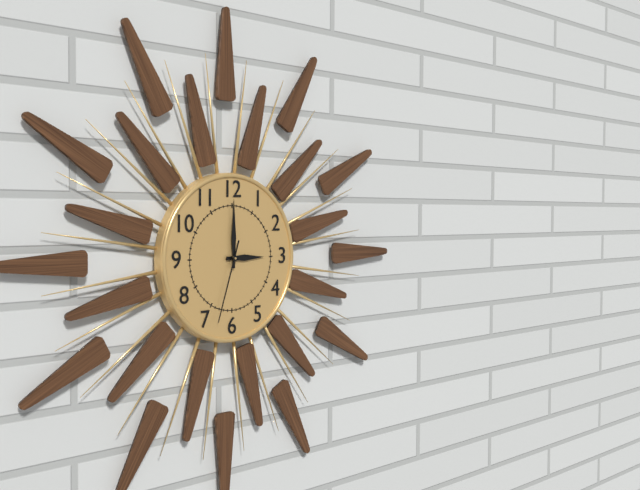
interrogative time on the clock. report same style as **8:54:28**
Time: **3:00:33**
